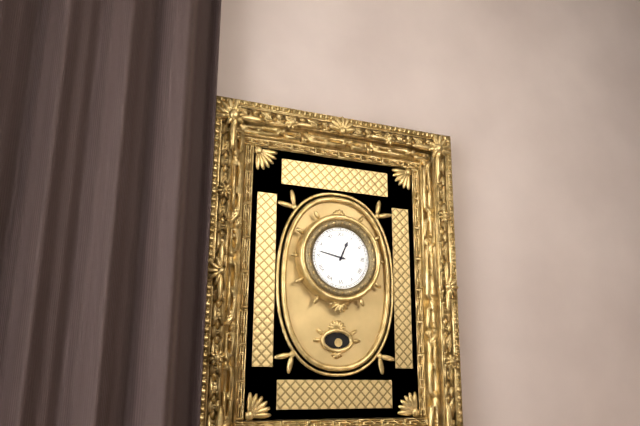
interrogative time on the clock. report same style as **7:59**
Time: **12:47**
